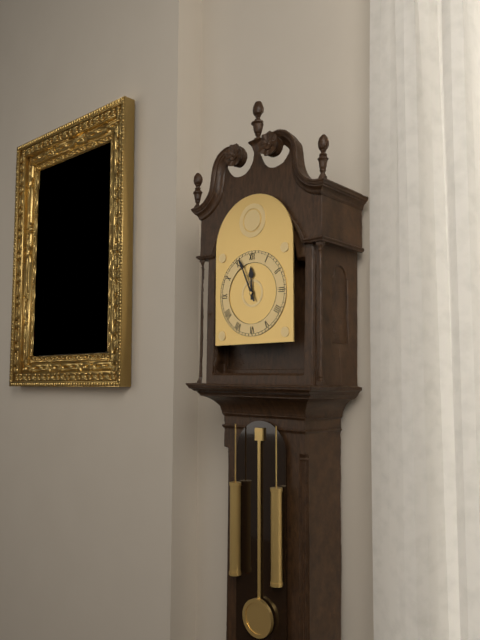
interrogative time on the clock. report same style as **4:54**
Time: **11:56**
